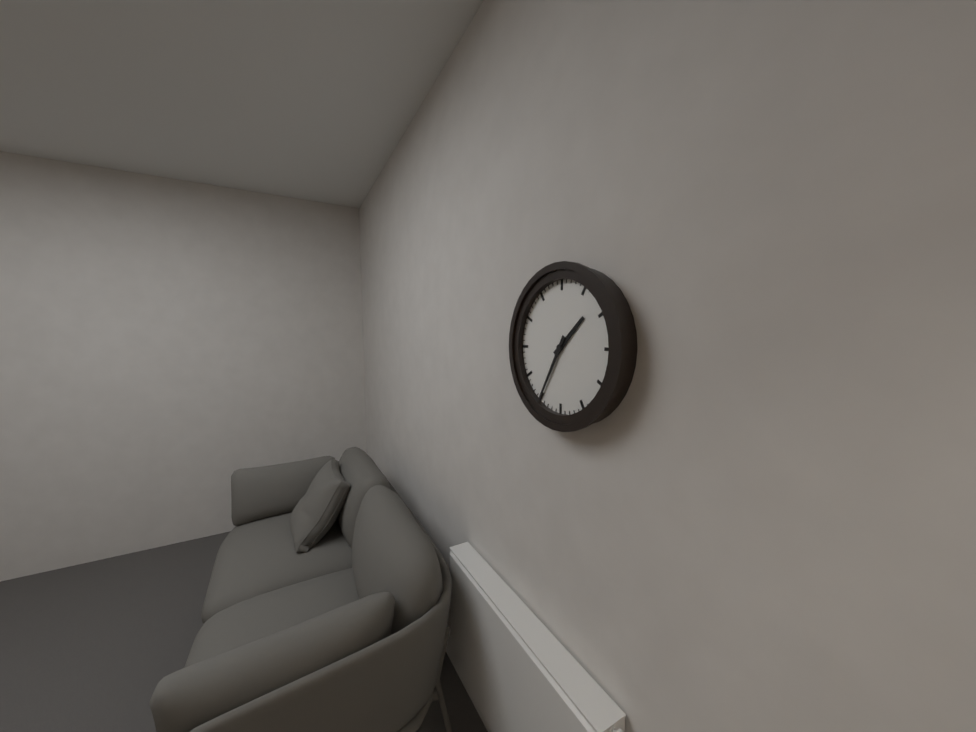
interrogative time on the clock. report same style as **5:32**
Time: **1:35**
